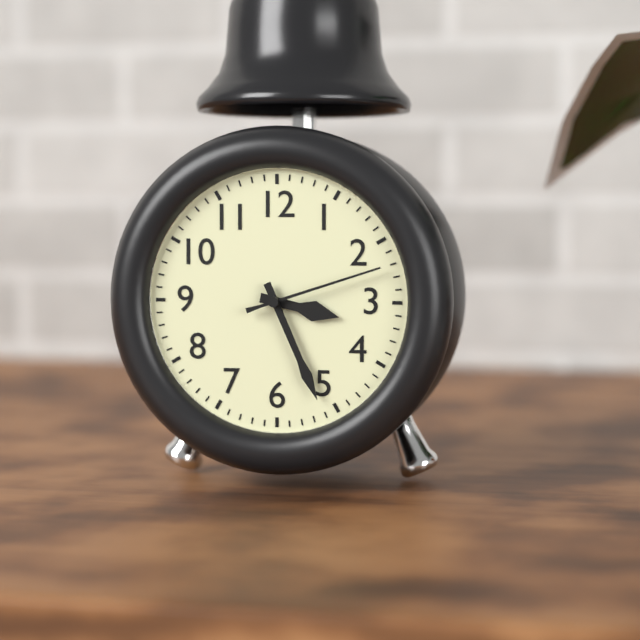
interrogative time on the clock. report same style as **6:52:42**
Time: **3:26:12**
